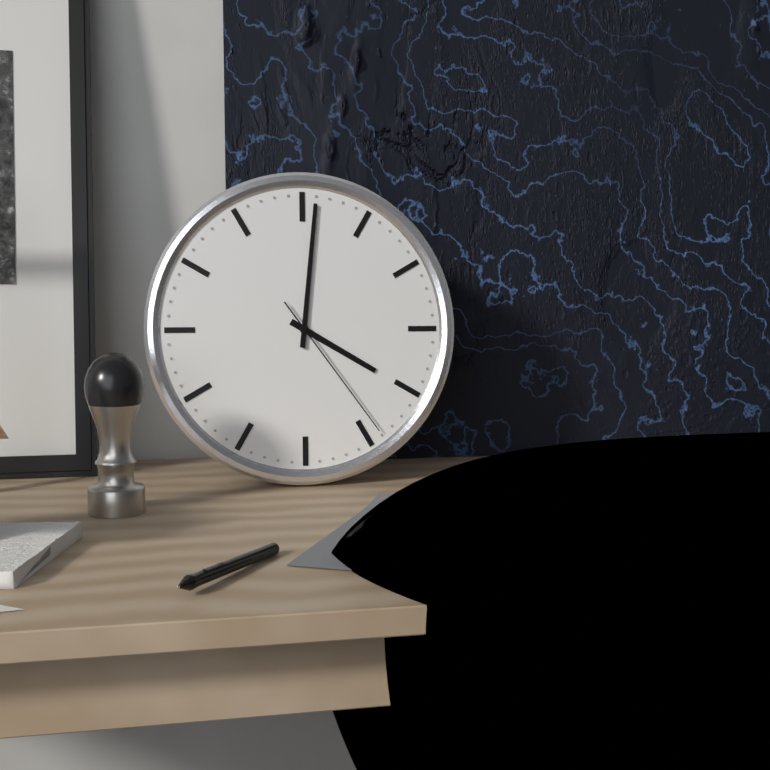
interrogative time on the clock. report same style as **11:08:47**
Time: **4:01:24**
